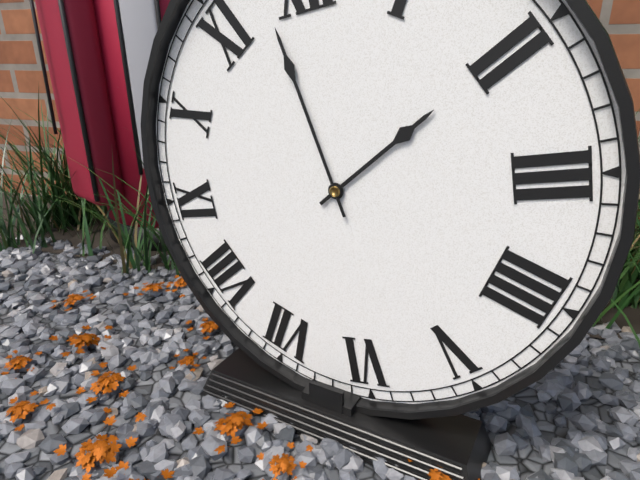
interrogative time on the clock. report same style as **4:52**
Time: **1:58**
